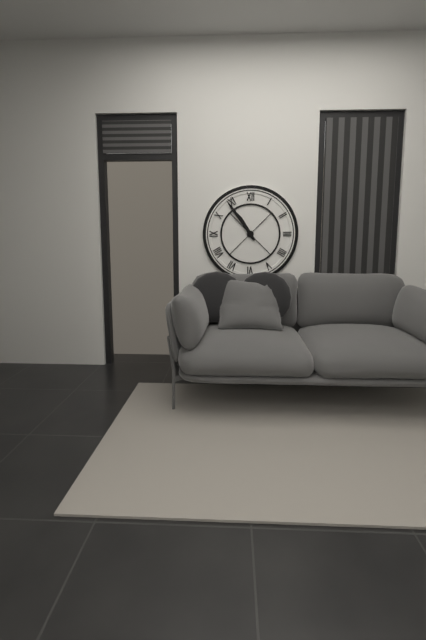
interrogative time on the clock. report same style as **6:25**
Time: **10:54**
